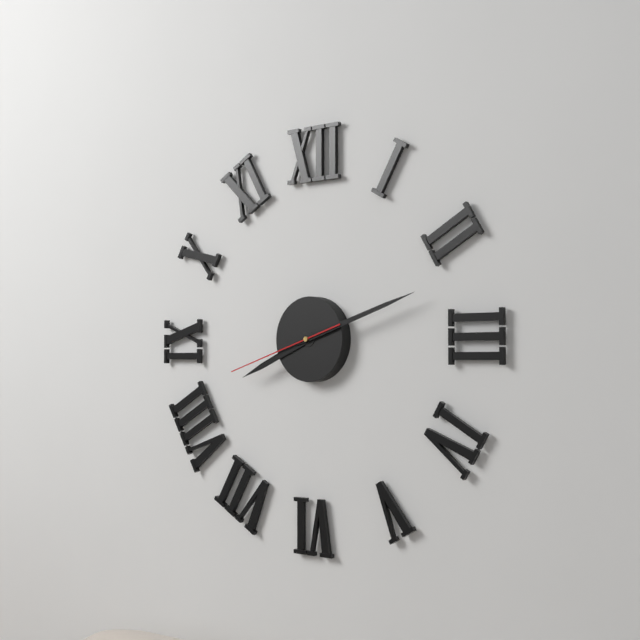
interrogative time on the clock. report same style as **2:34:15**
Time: **8:12:42**
